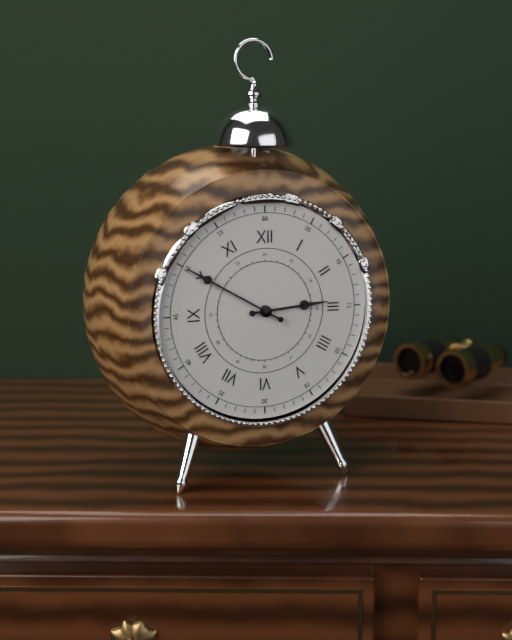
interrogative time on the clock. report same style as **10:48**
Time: **2:50**
